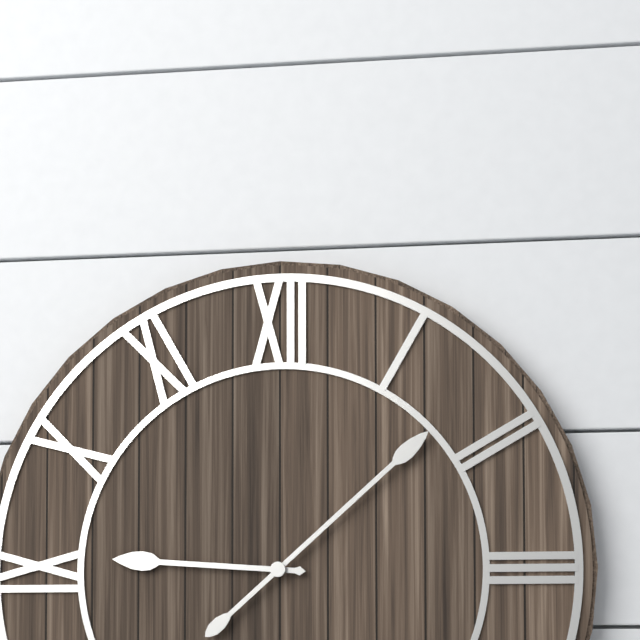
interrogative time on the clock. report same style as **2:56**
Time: **9:08**
